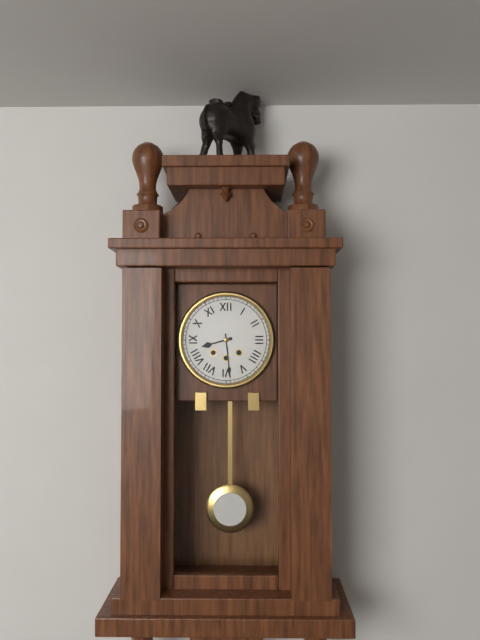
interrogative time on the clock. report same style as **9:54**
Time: **8:29**
